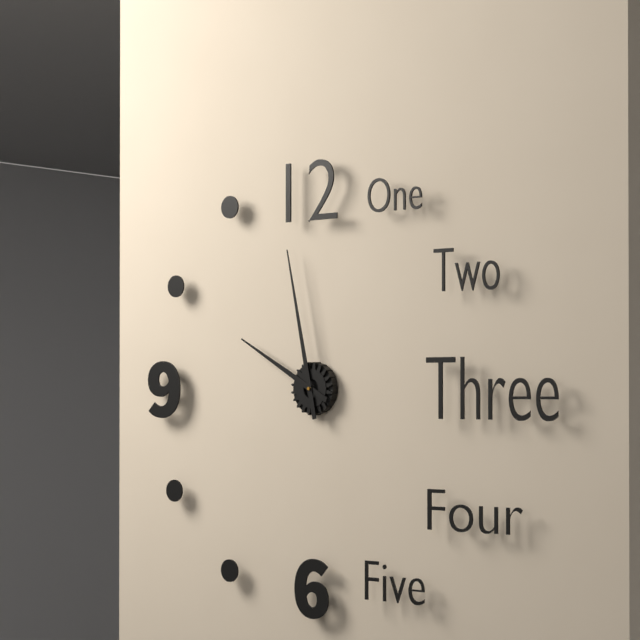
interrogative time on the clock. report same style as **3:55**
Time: **9:58**
